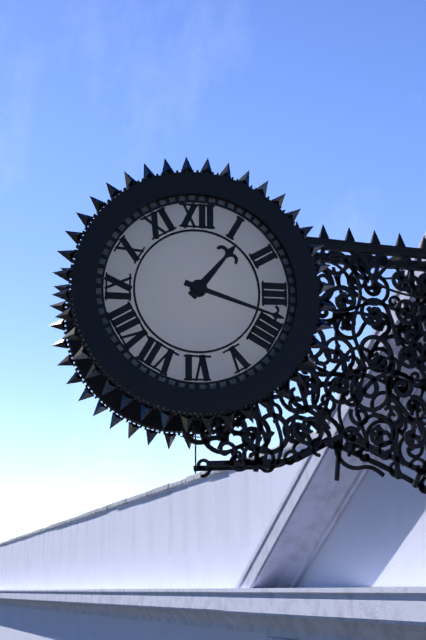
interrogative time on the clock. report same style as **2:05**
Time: **1:18**
